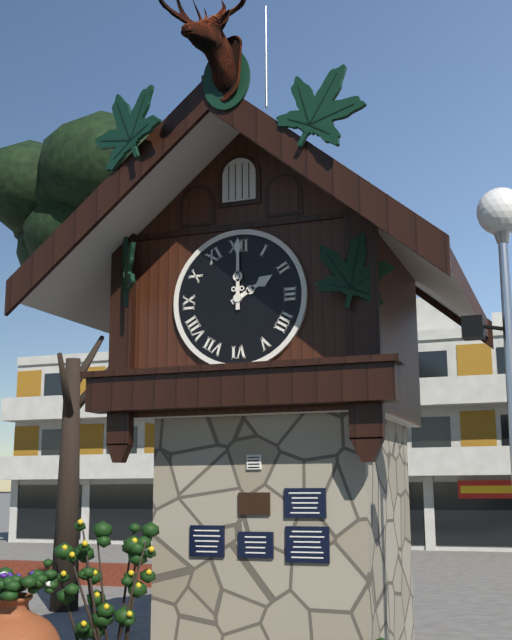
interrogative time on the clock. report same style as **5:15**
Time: **2:00**
